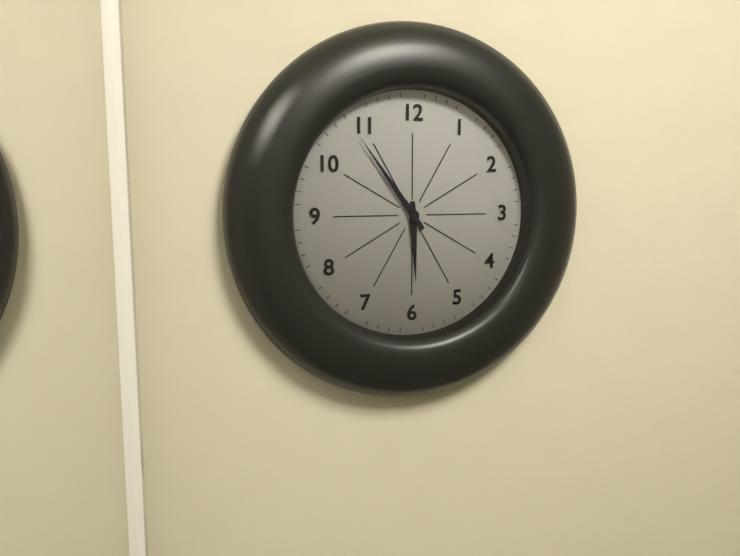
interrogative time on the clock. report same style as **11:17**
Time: **5:54**
